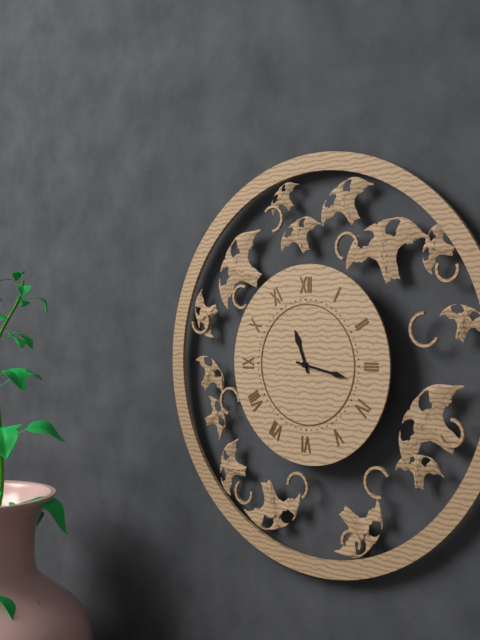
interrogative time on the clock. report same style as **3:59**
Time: **11:17**
